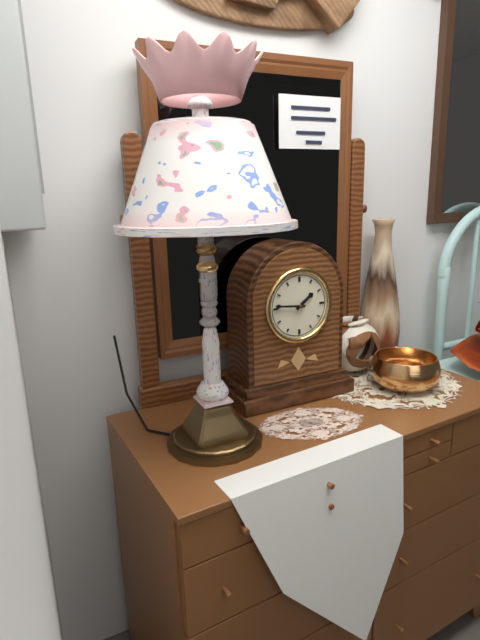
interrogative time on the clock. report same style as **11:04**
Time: **1:46**
